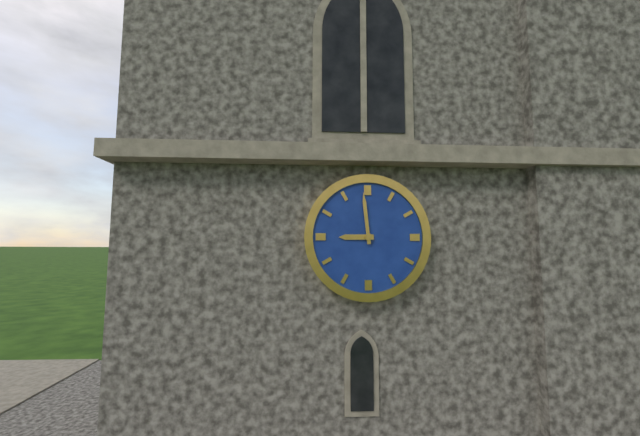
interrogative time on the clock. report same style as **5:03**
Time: **8:59**
